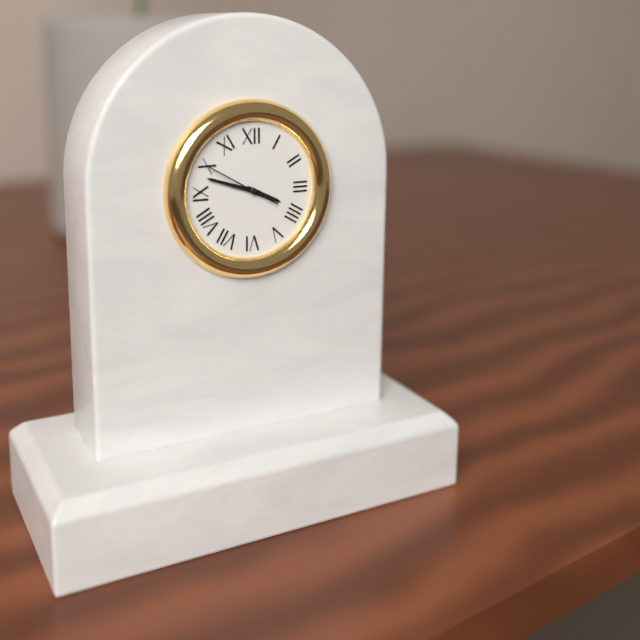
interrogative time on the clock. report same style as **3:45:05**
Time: **3:48:50**
